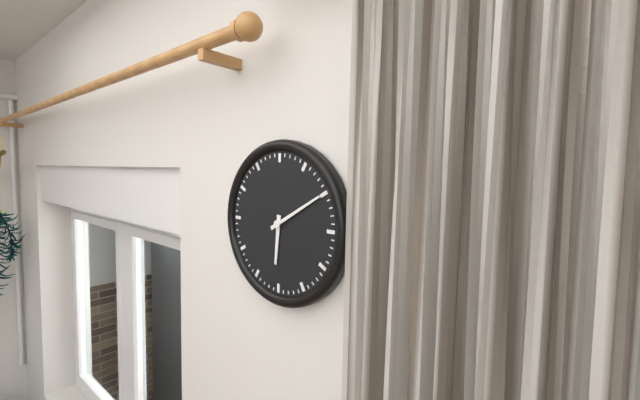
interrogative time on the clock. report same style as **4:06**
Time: **6:10**
